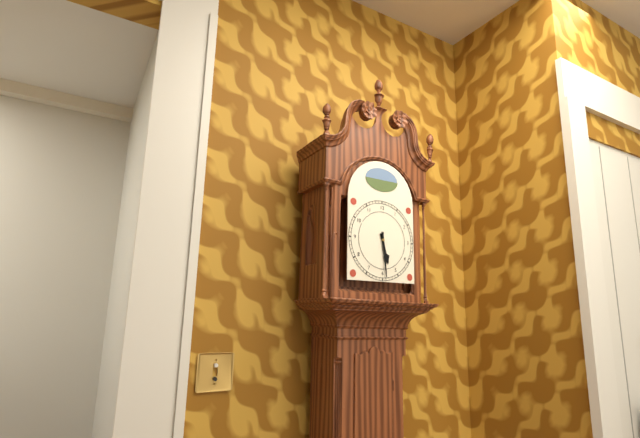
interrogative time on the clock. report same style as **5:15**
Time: **5:29**
